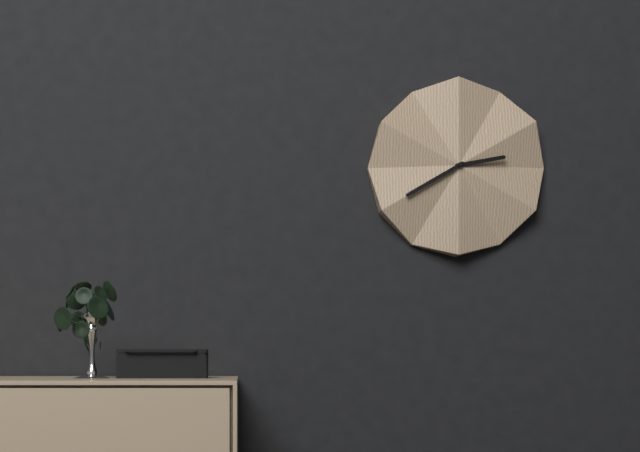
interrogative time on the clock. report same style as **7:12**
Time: **2:40**
